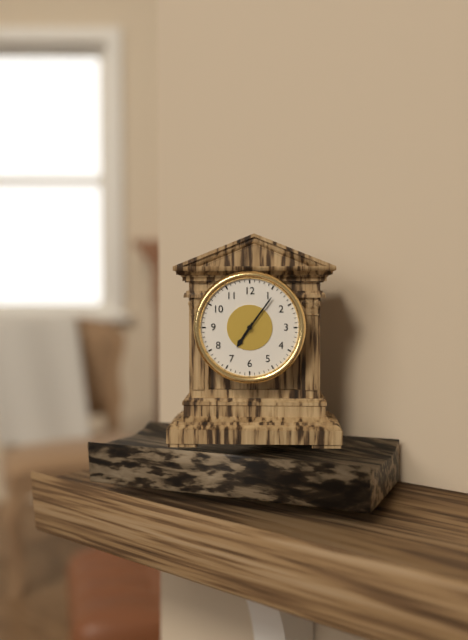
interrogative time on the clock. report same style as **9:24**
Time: **7:06**
